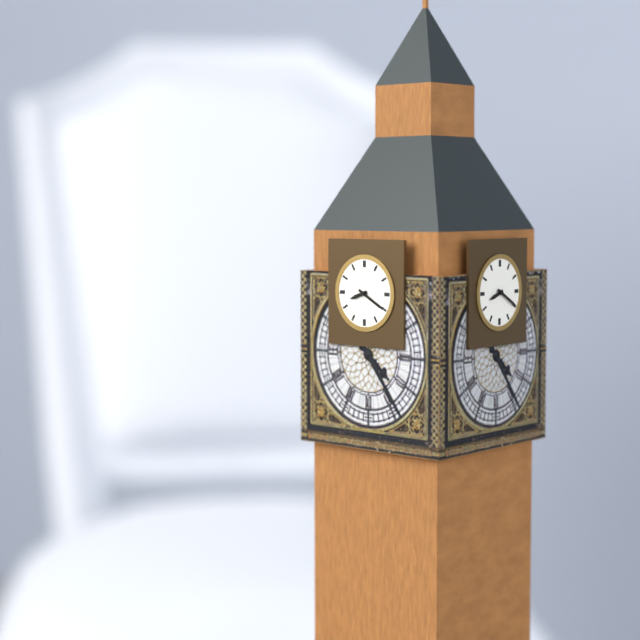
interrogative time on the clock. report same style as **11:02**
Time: **8:20**
